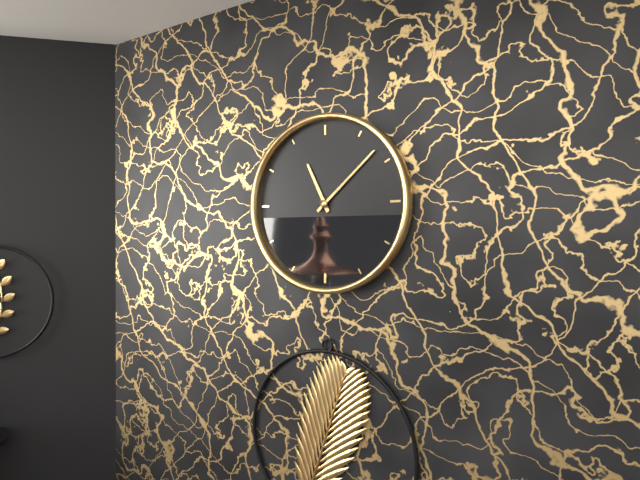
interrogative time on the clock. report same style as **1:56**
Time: **11:08**
